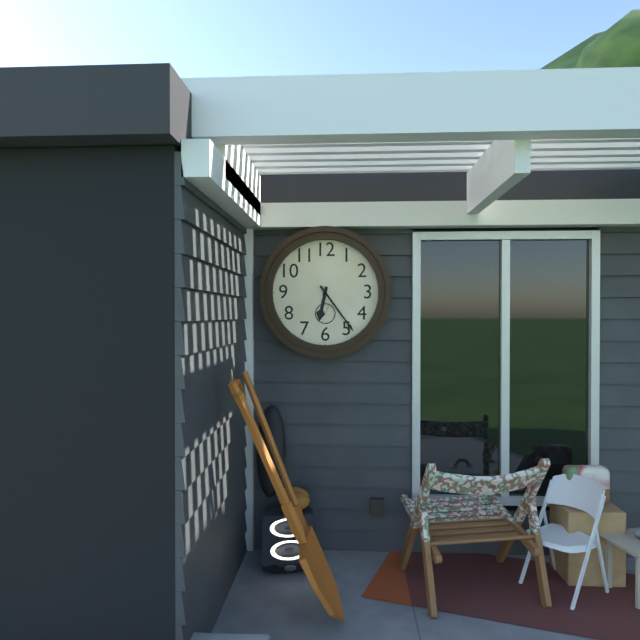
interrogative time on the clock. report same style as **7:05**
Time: **6:24**
